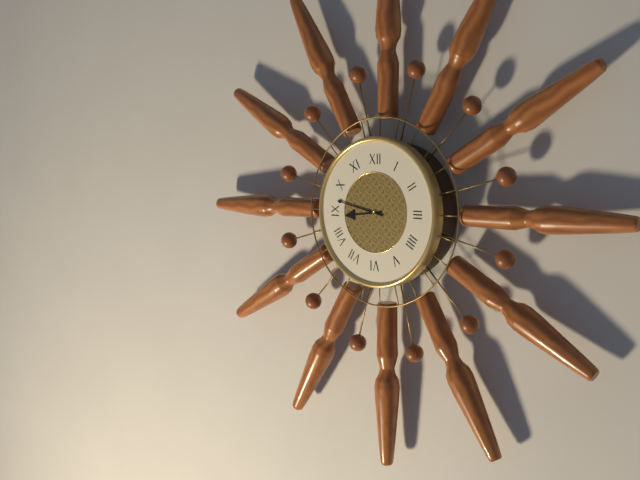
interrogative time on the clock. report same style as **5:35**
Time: **8:47**
